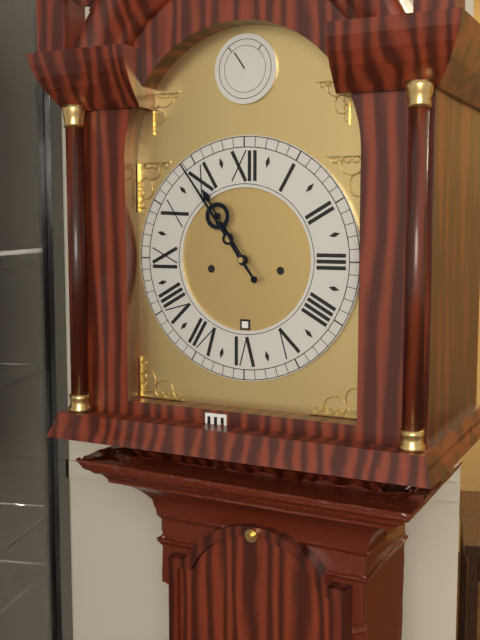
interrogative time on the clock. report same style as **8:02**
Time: **10:54**
